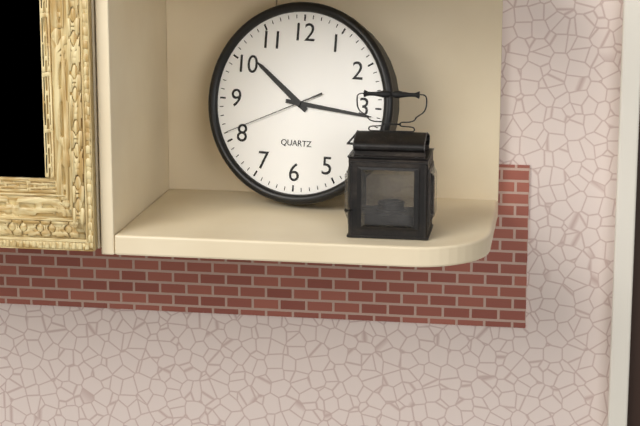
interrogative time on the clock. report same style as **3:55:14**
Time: **10:16:41**
